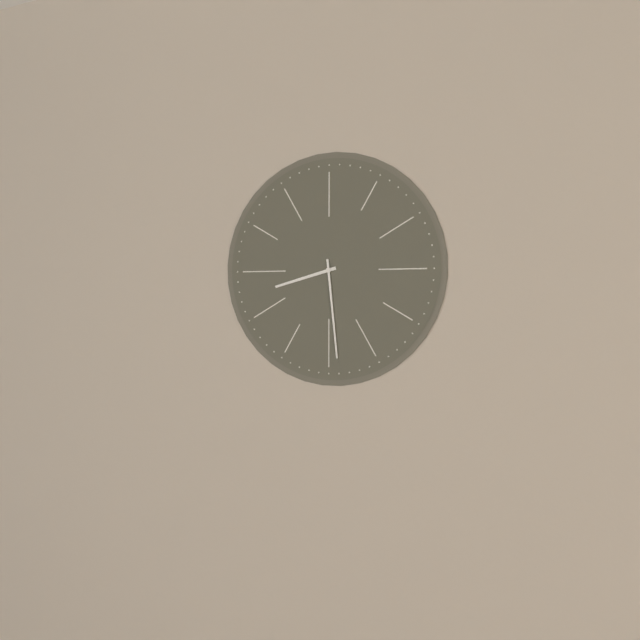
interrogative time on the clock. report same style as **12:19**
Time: **8:29**
